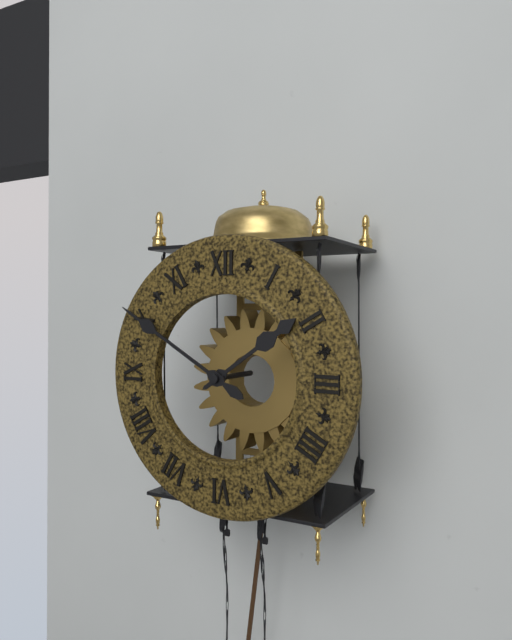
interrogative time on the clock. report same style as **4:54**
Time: **1:50**
